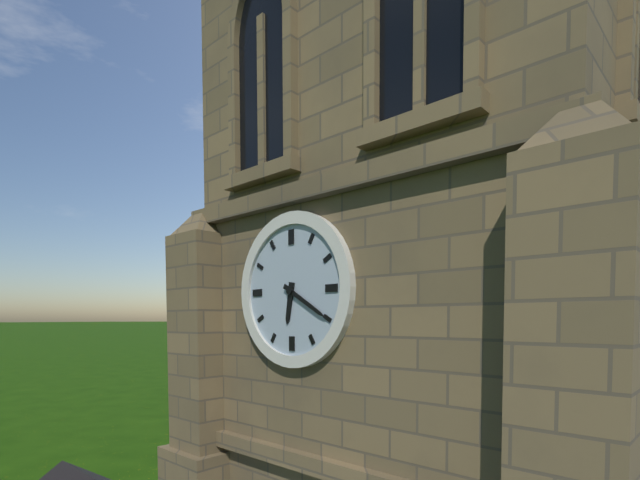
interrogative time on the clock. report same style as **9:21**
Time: **6:20**
